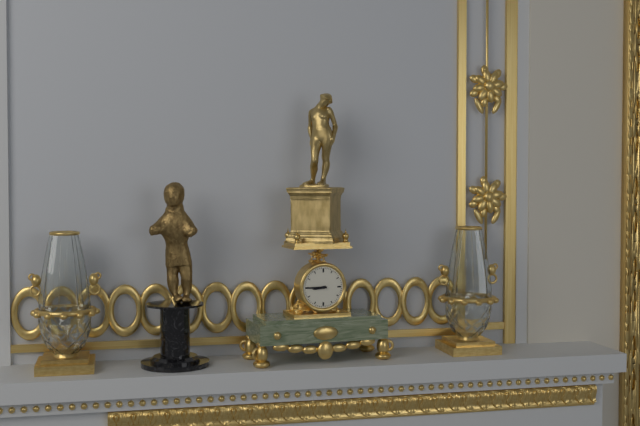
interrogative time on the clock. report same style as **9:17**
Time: **8:45**
